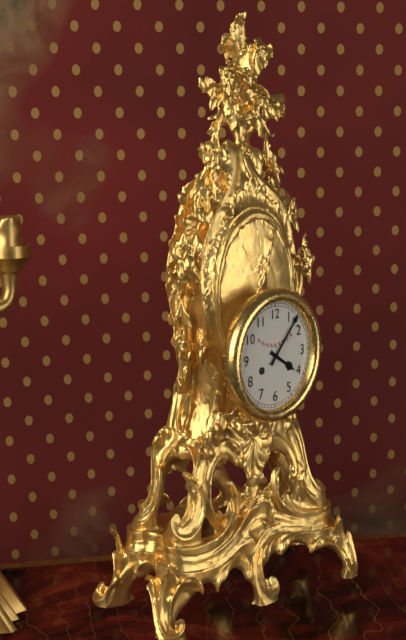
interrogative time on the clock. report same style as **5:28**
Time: **4:07**
